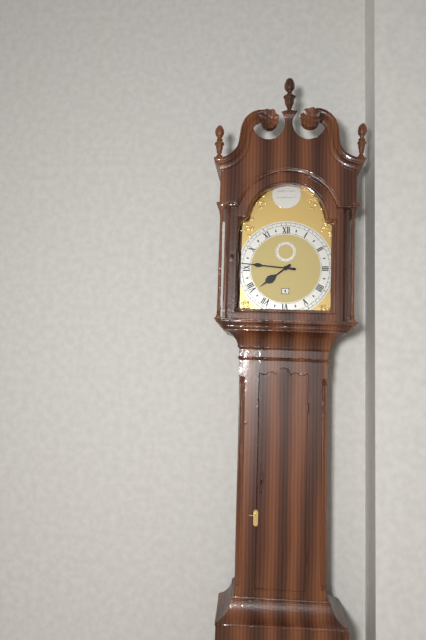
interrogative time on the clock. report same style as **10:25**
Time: **7:46**
